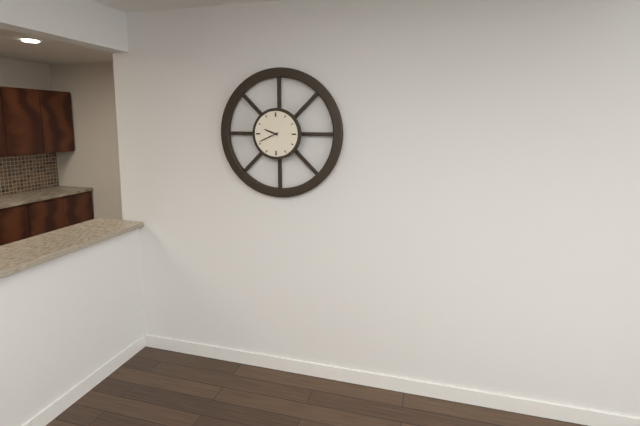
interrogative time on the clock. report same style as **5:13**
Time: **9:41**
